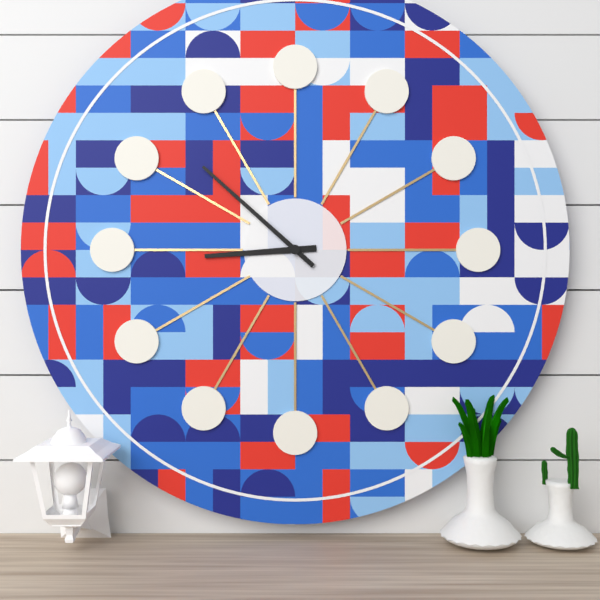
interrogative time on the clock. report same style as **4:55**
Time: **8:52**
